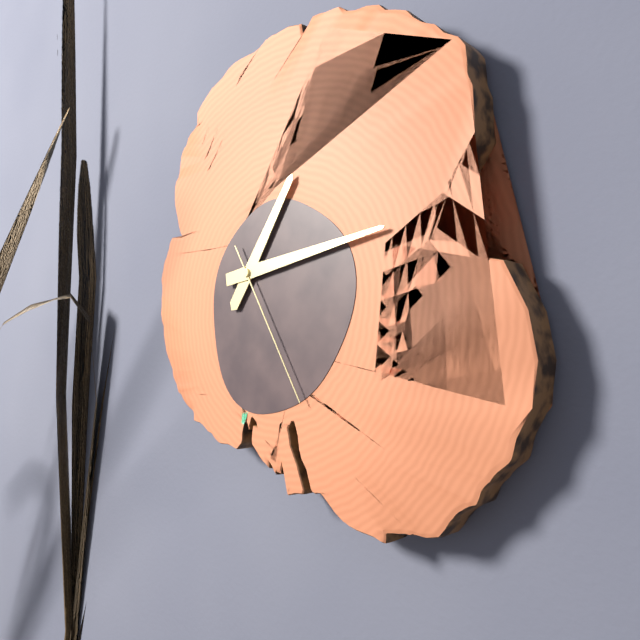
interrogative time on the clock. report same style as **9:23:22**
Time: **1:14:25**
